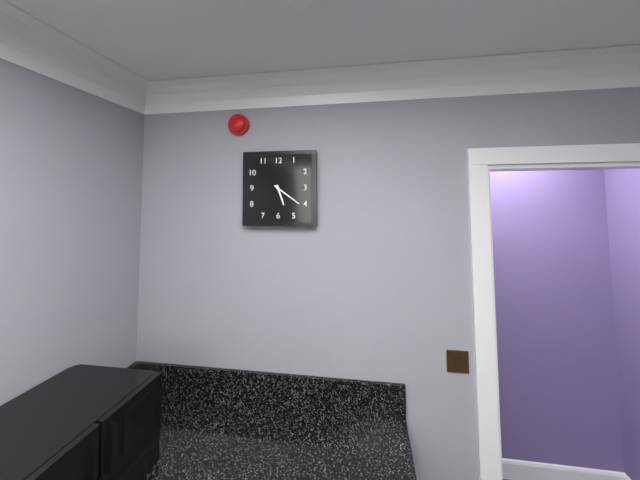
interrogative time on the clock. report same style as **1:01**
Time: **5:21**
